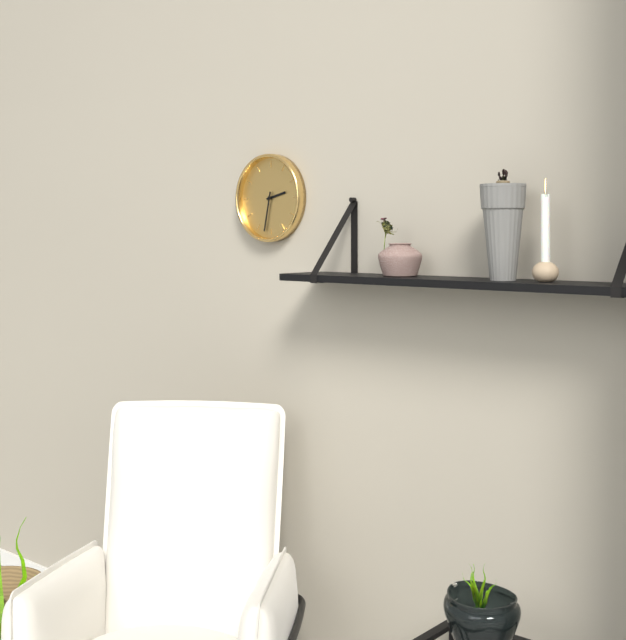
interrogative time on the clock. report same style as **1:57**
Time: **2:32**
